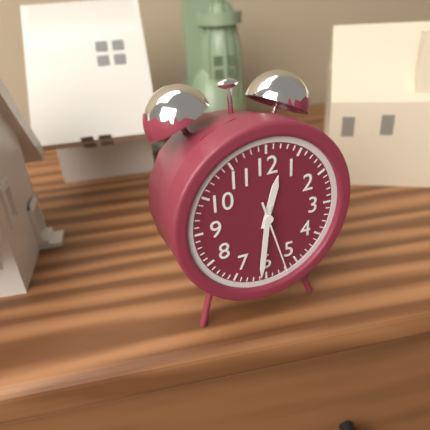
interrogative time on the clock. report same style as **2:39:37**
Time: **12:31:27**
